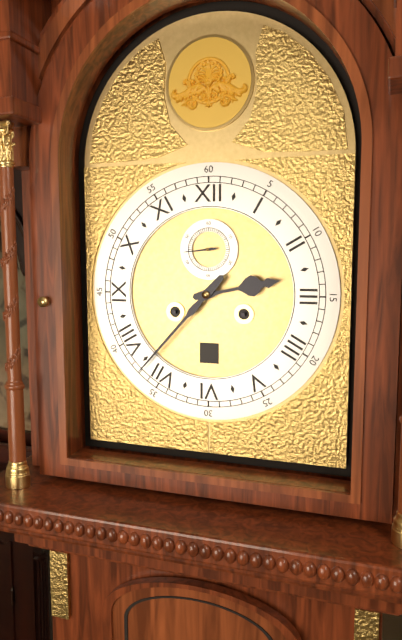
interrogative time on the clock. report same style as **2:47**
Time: **2:37**
